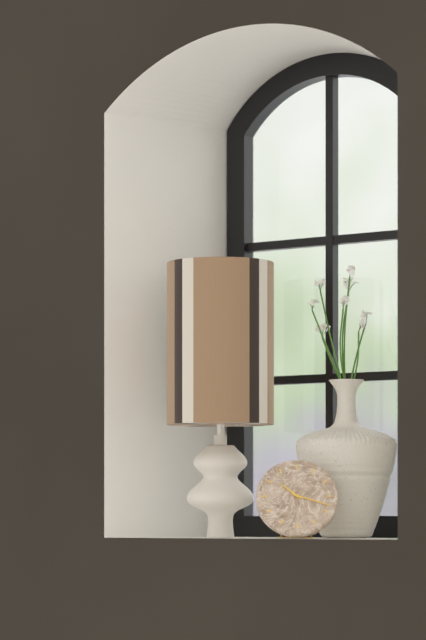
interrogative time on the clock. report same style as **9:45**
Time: **10:18**
